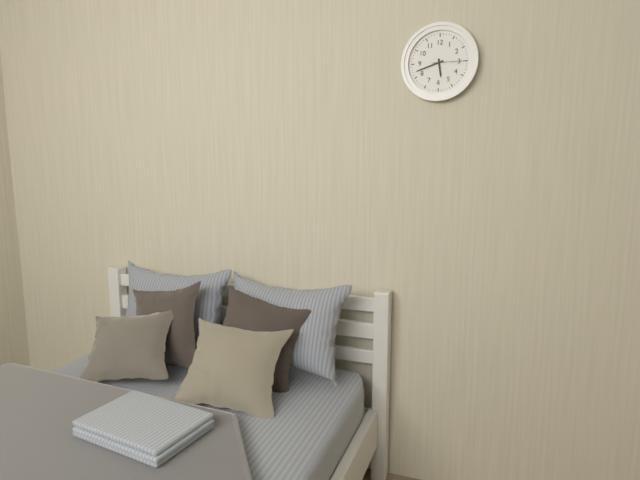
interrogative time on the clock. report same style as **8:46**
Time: **5:42**
